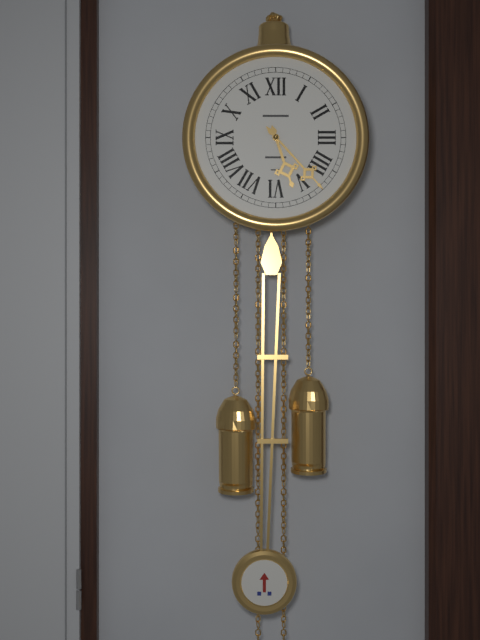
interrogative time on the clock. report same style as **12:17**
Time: **5:23**
